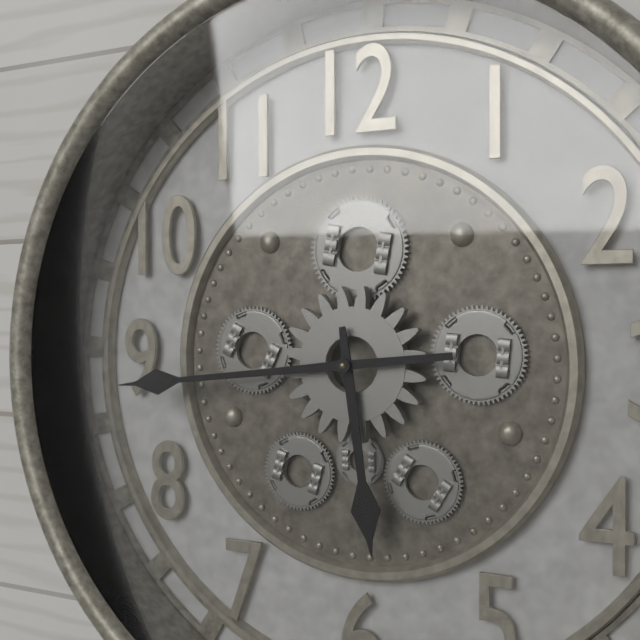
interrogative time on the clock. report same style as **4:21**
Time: **5:44**
